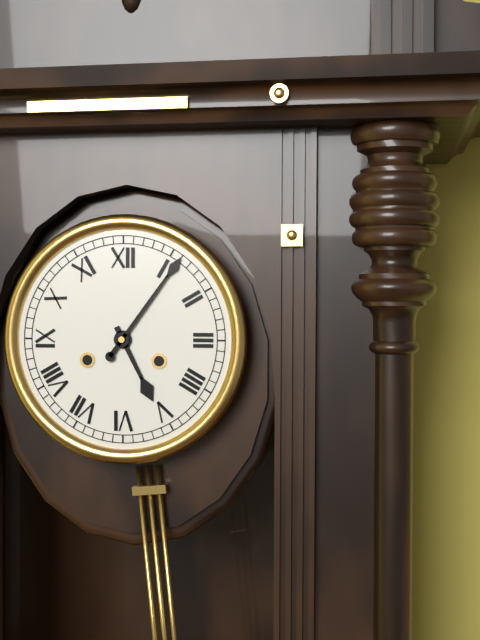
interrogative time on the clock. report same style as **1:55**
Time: **5:06**
